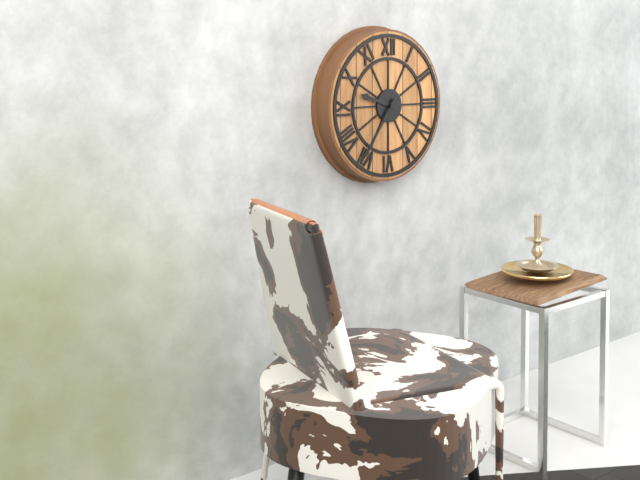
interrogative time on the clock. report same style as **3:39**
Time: **9:36**
